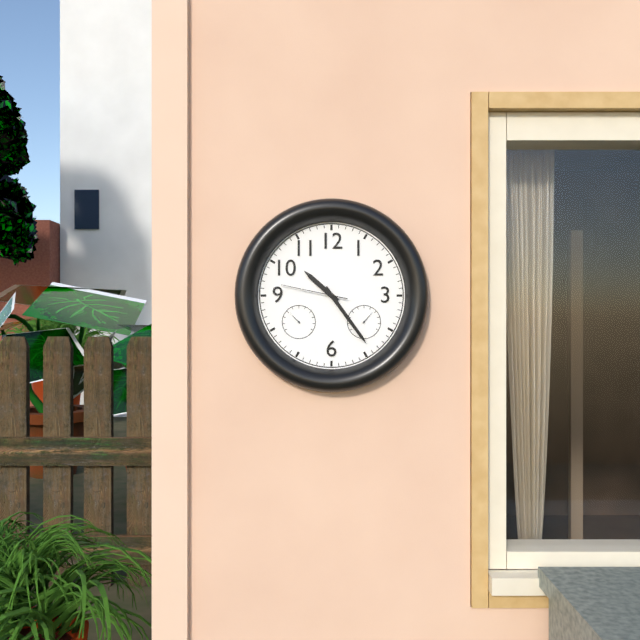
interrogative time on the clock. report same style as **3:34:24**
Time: **10:24:47**
